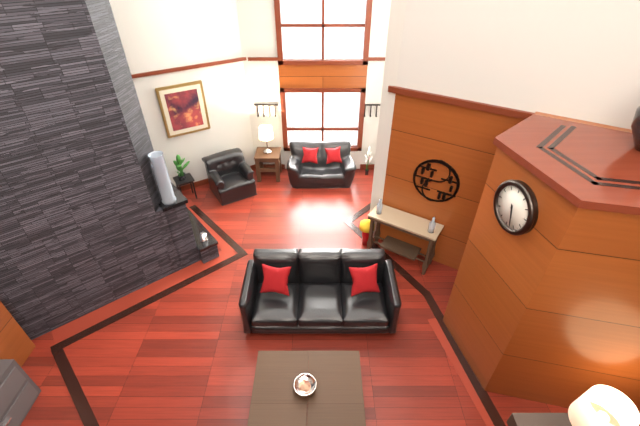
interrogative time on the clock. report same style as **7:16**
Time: **5:27**
